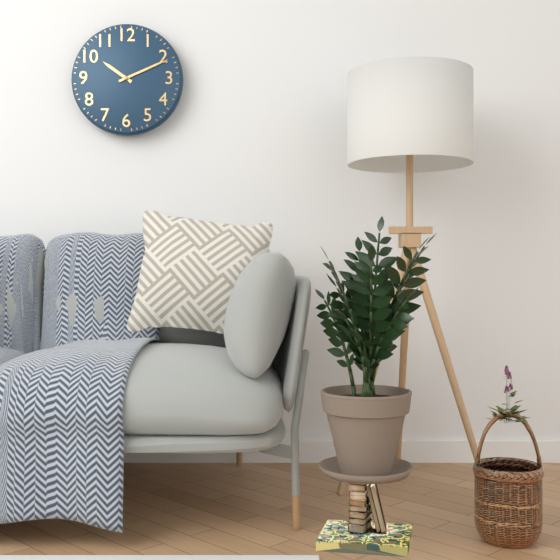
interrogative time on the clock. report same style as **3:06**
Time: **10:11**
